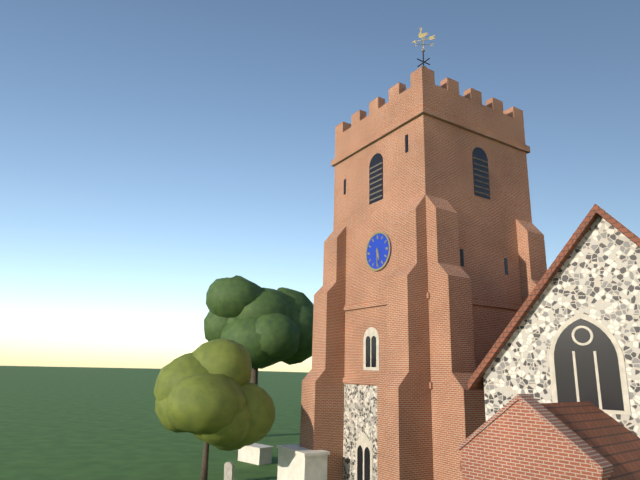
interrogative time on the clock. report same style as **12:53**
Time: **5:30**
